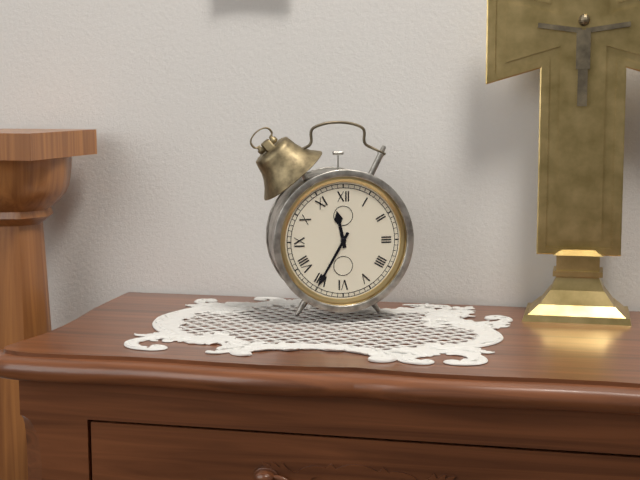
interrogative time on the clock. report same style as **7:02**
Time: **11:35**
